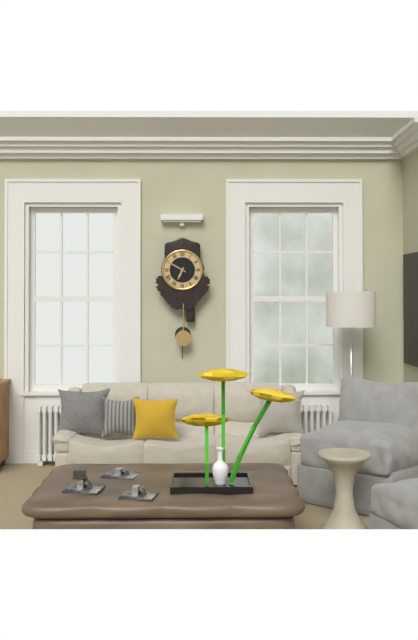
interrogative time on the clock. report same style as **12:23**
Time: **6:50**
